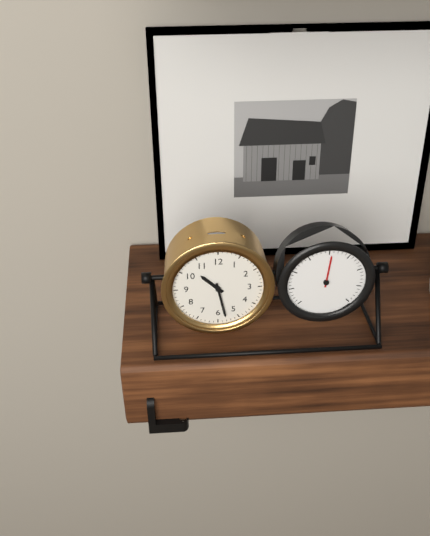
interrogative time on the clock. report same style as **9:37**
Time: **10:28**
